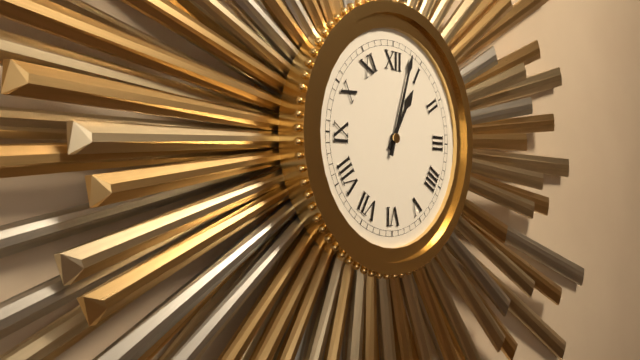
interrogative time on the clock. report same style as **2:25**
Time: **1:03**
